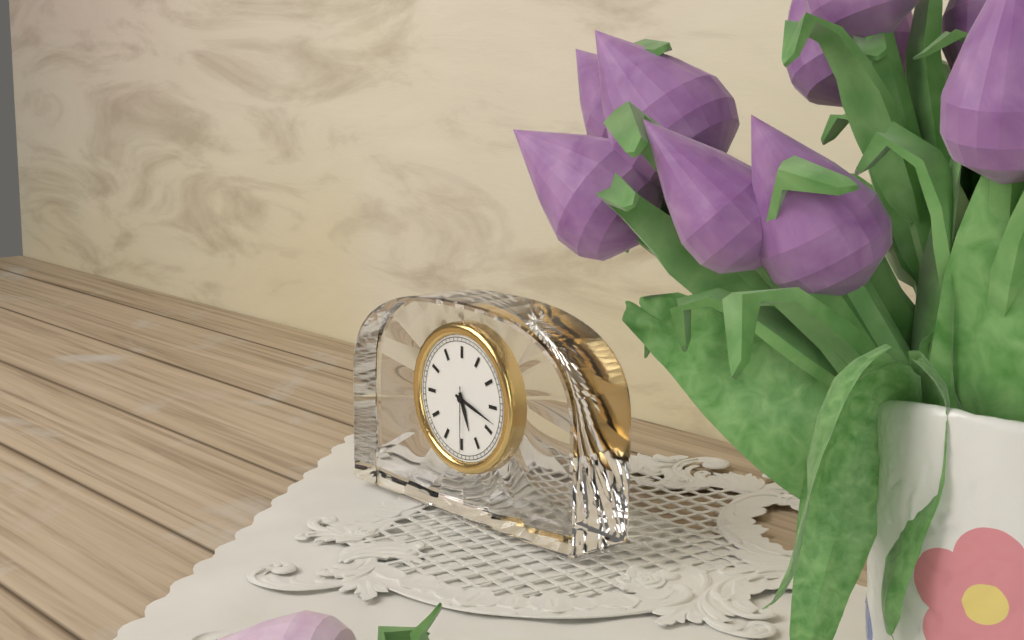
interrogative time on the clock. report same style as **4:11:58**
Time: **5:18:30**
